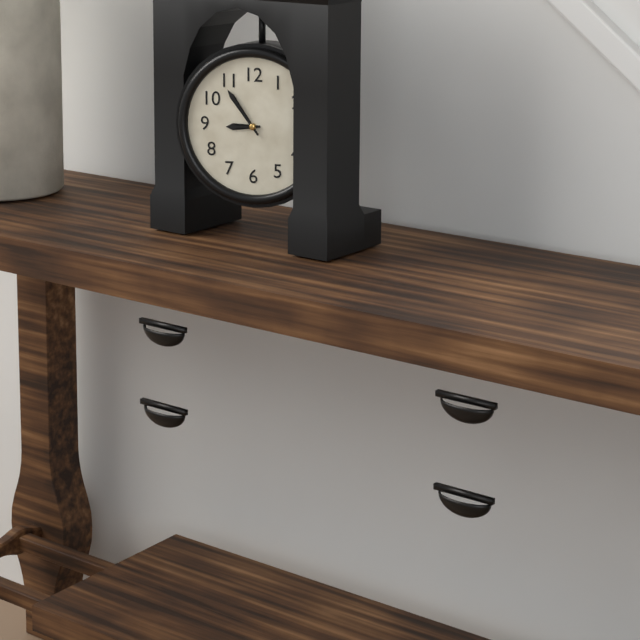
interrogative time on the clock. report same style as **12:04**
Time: **8:54**
